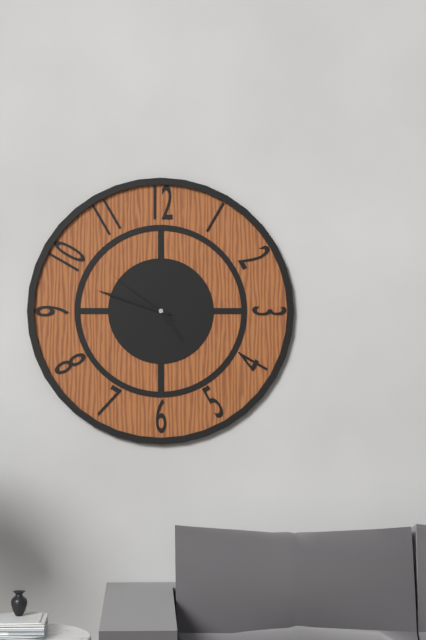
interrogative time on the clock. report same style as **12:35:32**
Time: **4:48:51**
